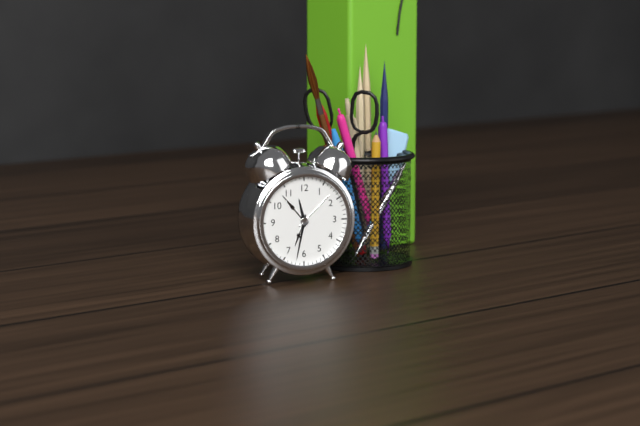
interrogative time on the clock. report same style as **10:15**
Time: **11:32**
